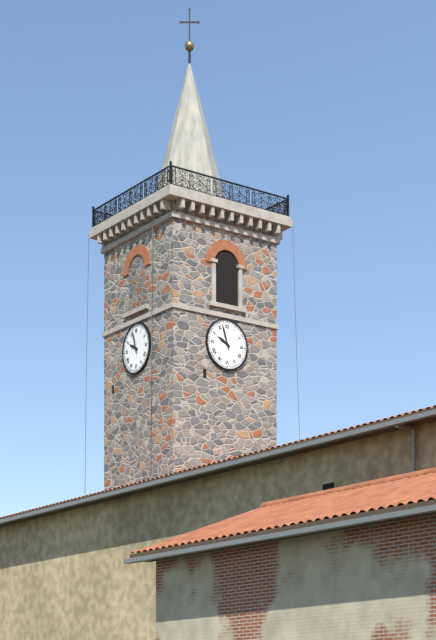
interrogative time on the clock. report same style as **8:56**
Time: **9:57**
